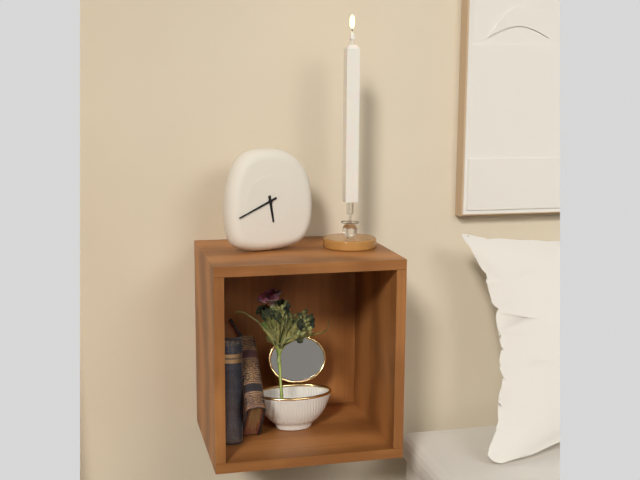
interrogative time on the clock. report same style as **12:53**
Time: **5:41**
